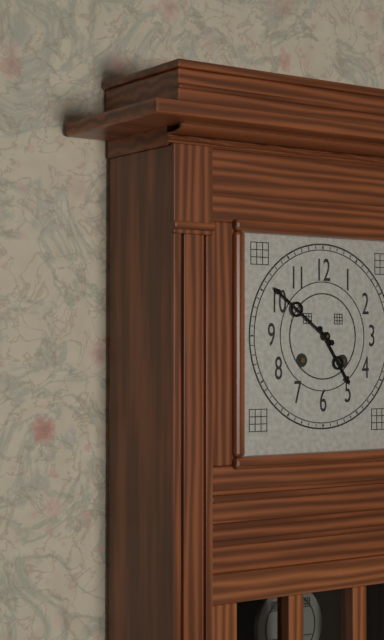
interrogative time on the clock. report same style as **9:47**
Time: **4:51**
